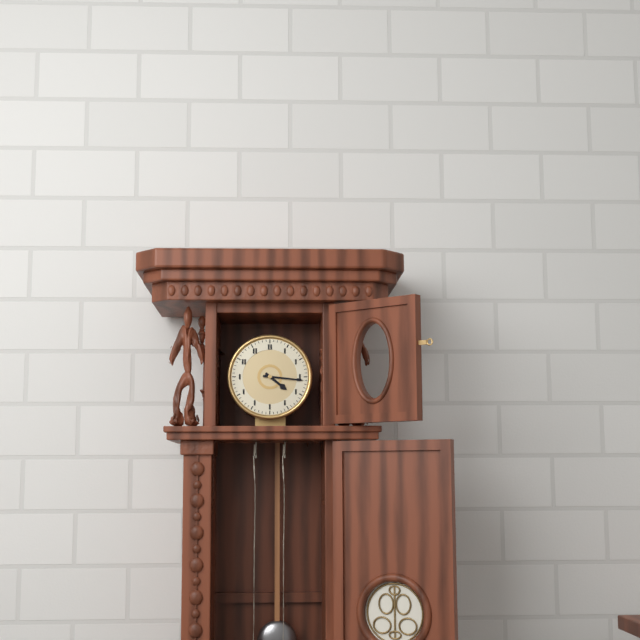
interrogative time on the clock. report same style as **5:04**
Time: **4:16**
